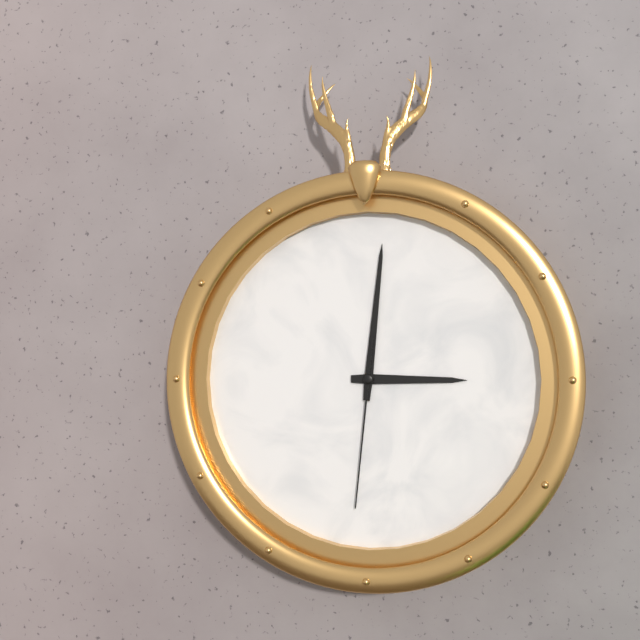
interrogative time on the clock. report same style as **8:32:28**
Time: **3:01:31**
